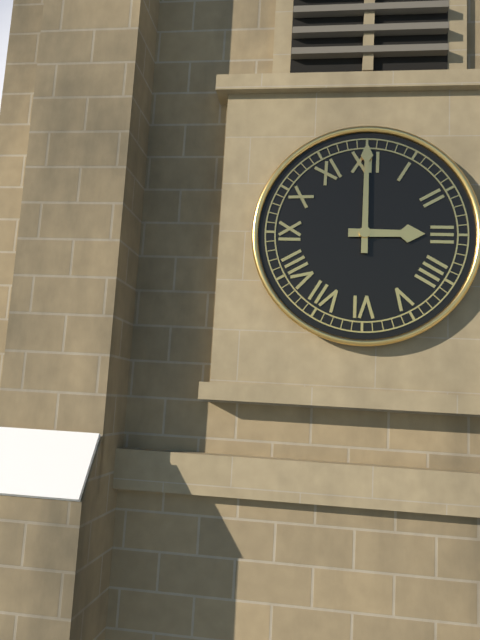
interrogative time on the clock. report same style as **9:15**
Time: **3:00**
